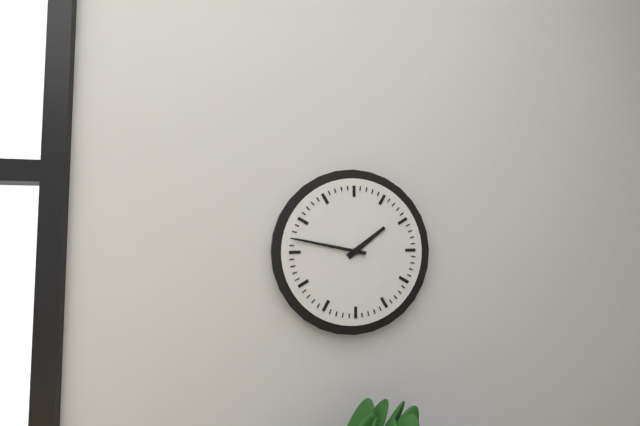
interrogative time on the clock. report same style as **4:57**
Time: **1:47**
